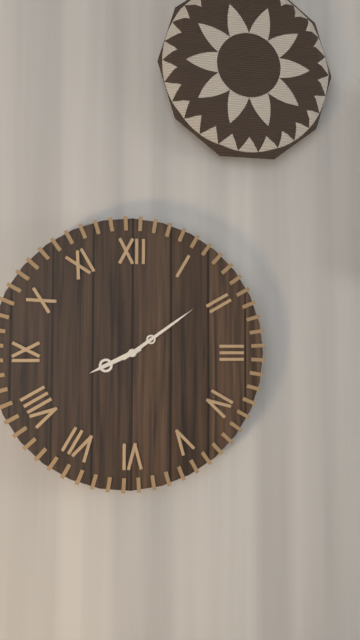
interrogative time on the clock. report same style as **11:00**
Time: **8:09**
